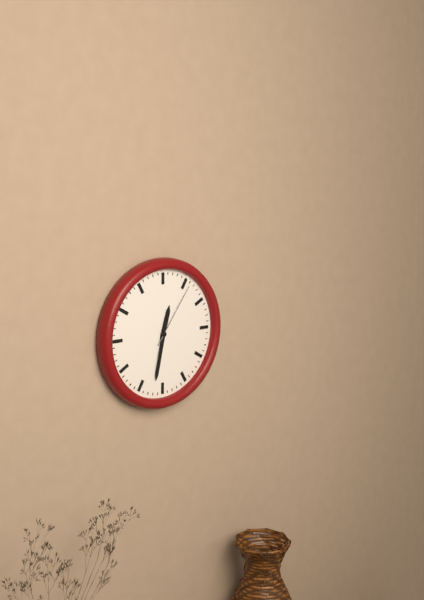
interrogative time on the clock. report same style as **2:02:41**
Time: **12:32:06**
